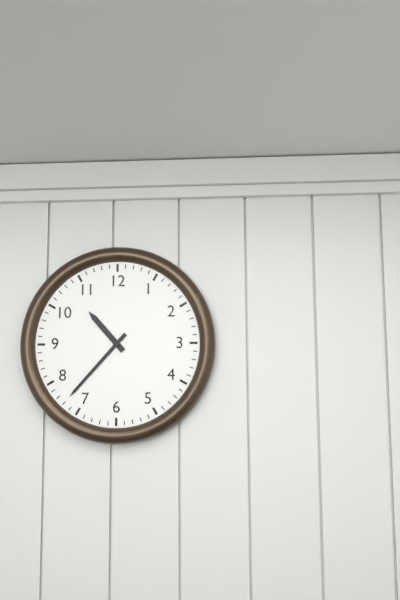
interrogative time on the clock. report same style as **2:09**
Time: **10:37**
